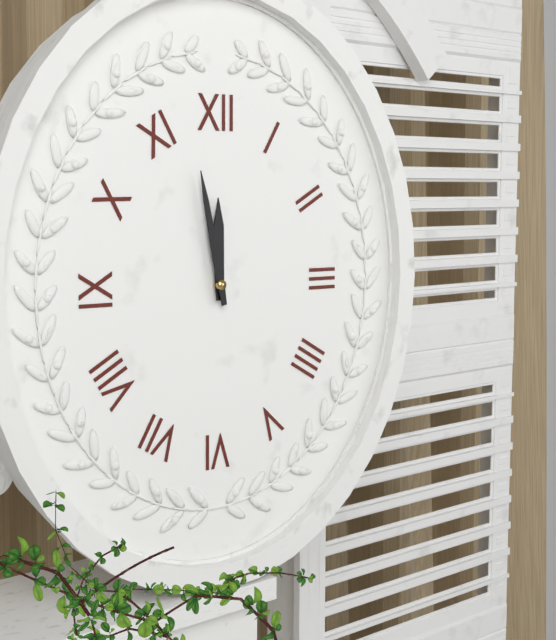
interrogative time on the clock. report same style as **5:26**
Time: **11:58**
